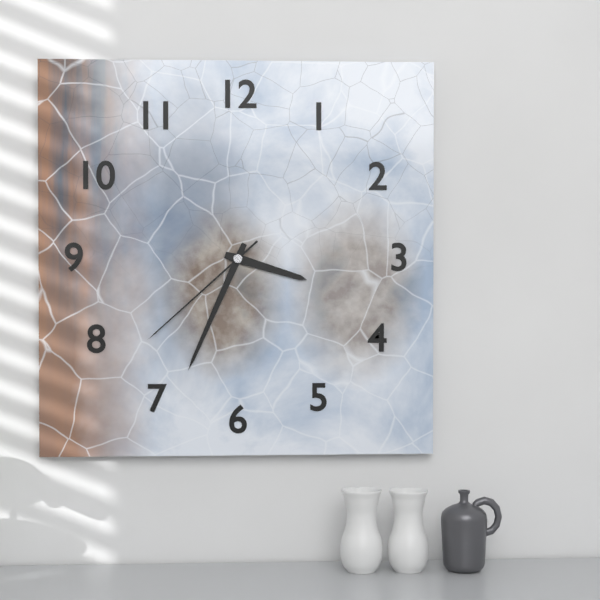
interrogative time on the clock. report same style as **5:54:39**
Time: **3:34:38**
